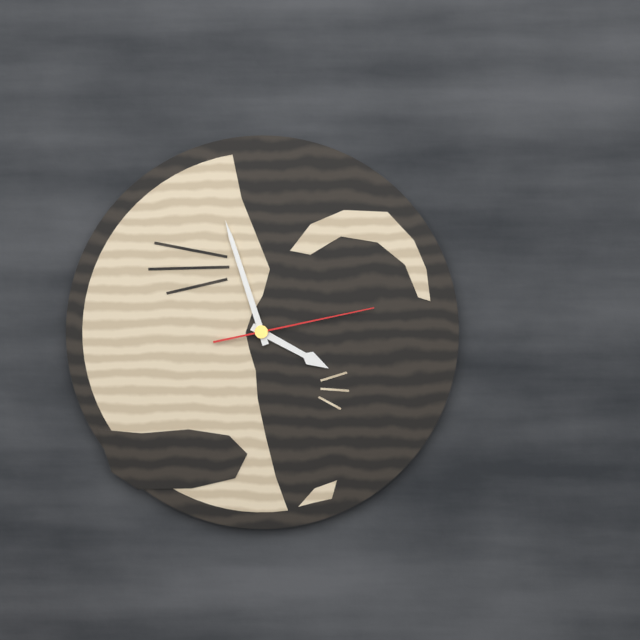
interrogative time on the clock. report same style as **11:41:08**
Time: **3:57:13**
